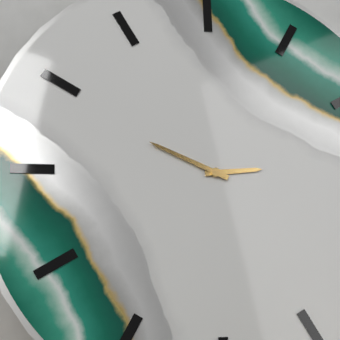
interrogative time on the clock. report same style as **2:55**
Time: **2:49**
